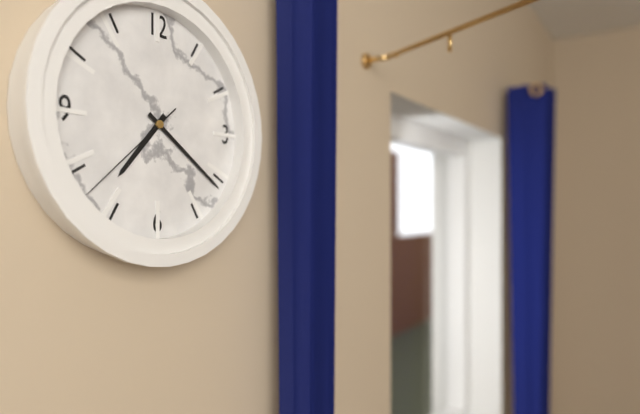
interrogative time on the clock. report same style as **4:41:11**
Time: **7:21:38**
